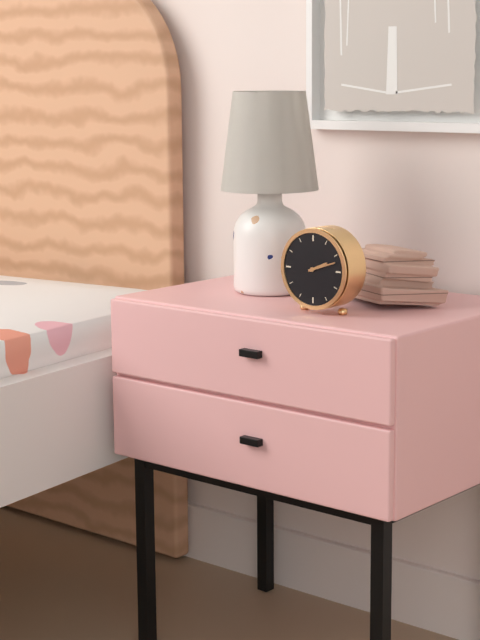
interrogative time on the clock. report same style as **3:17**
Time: **2:12**
